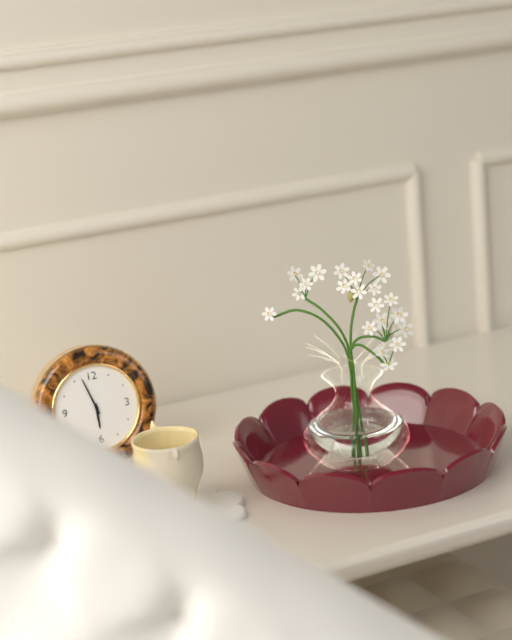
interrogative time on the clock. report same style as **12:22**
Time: **5:57**
